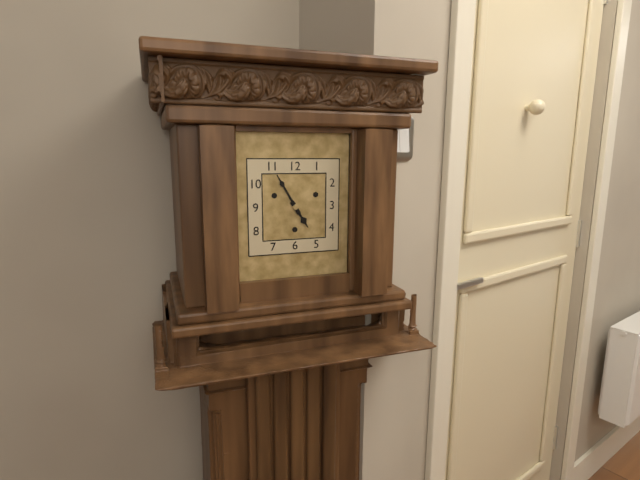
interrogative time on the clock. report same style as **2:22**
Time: **4:55**
